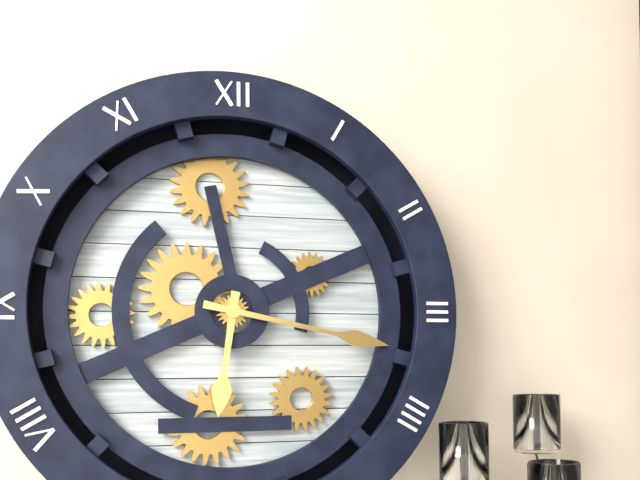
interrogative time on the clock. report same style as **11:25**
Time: **6:17**
